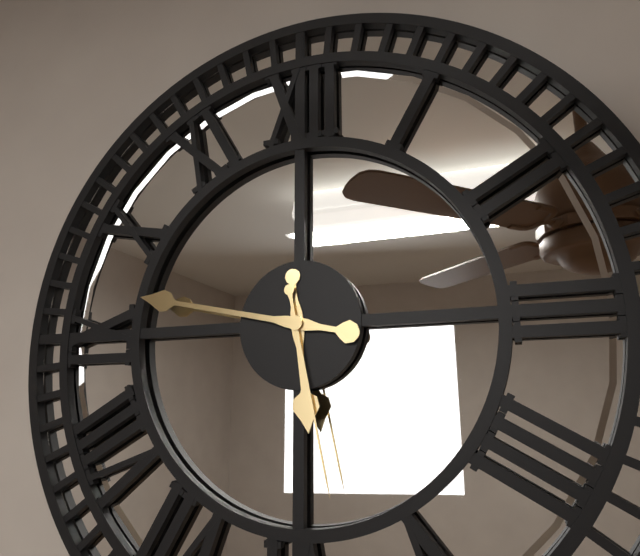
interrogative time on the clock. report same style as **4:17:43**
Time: **5:47:28**
